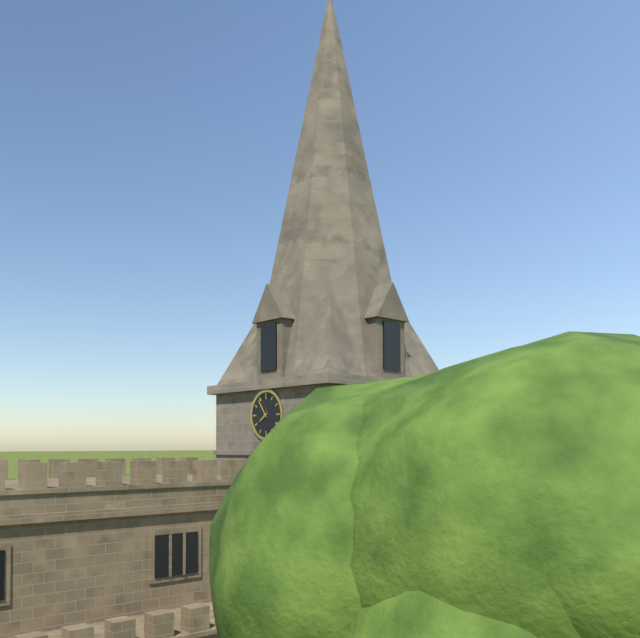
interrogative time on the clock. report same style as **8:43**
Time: **7:54**
